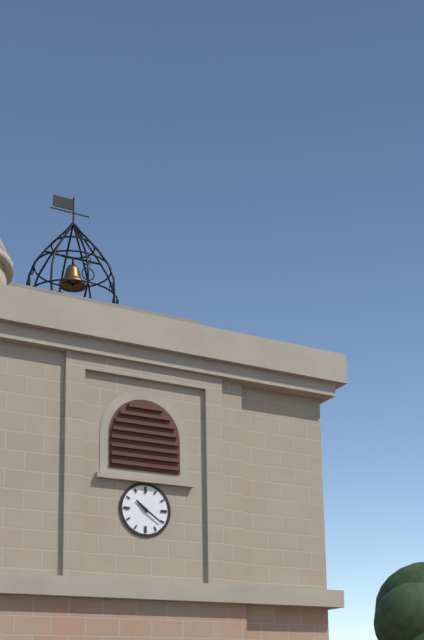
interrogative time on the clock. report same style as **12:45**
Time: **10:21**
